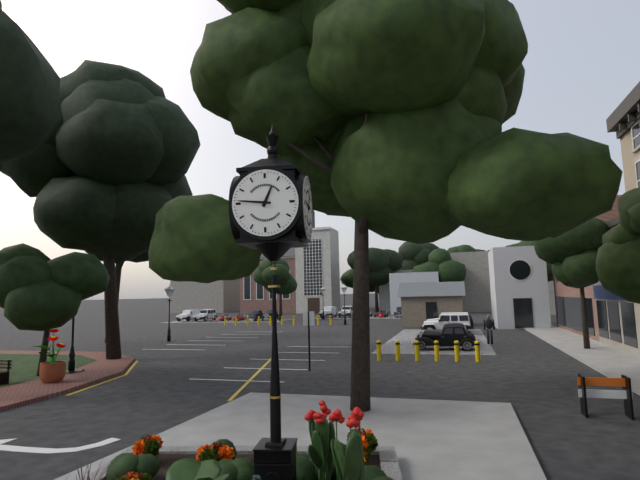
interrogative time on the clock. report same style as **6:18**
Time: **12:46**
